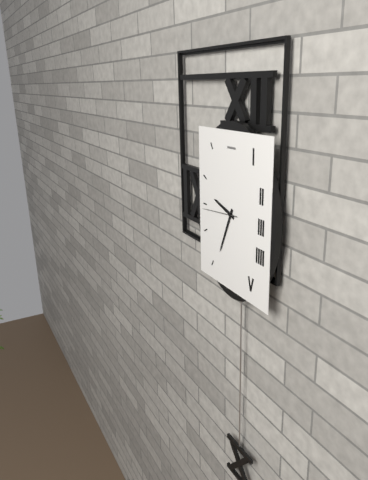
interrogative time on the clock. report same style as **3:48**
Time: **9:34**
